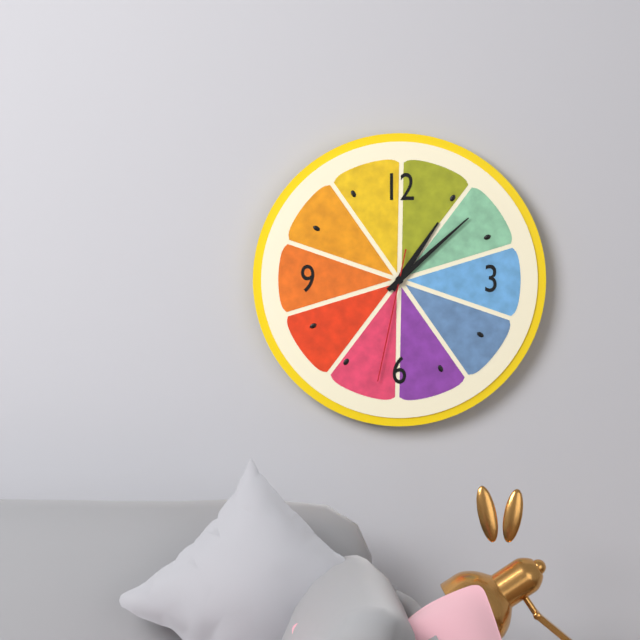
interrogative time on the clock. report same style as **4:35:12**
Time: **1:08:32**
